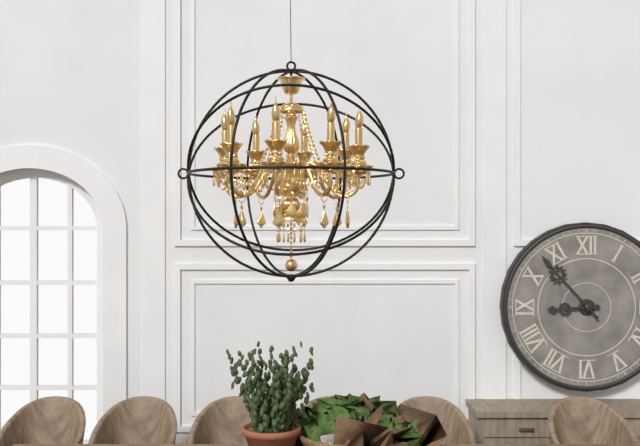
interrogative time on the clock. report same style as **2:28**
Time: **8:53**
